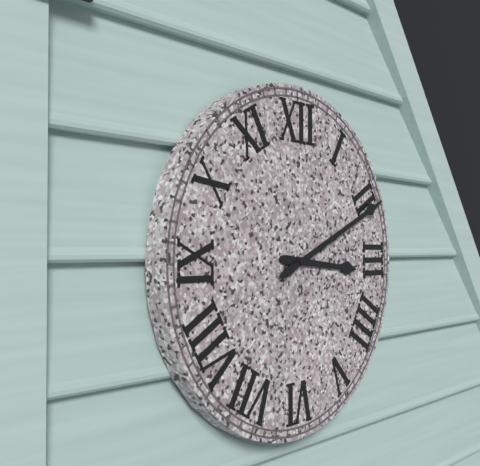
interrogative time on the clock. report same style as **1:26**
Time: **3:11**
